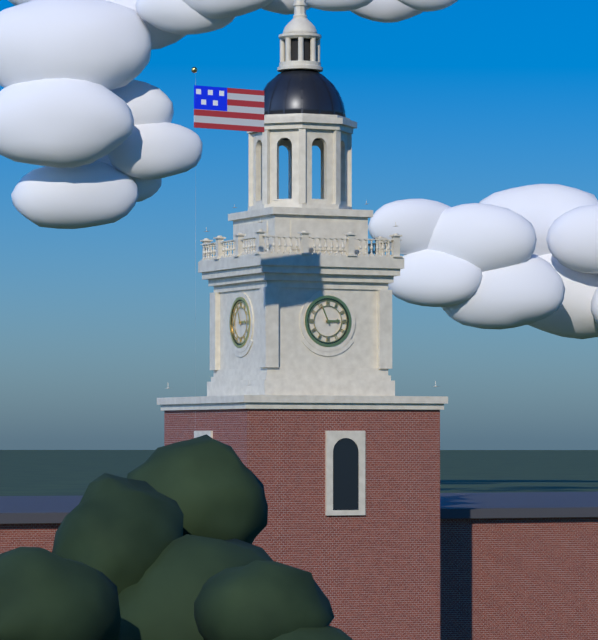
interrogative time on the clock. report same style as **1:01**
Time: **2:56**
